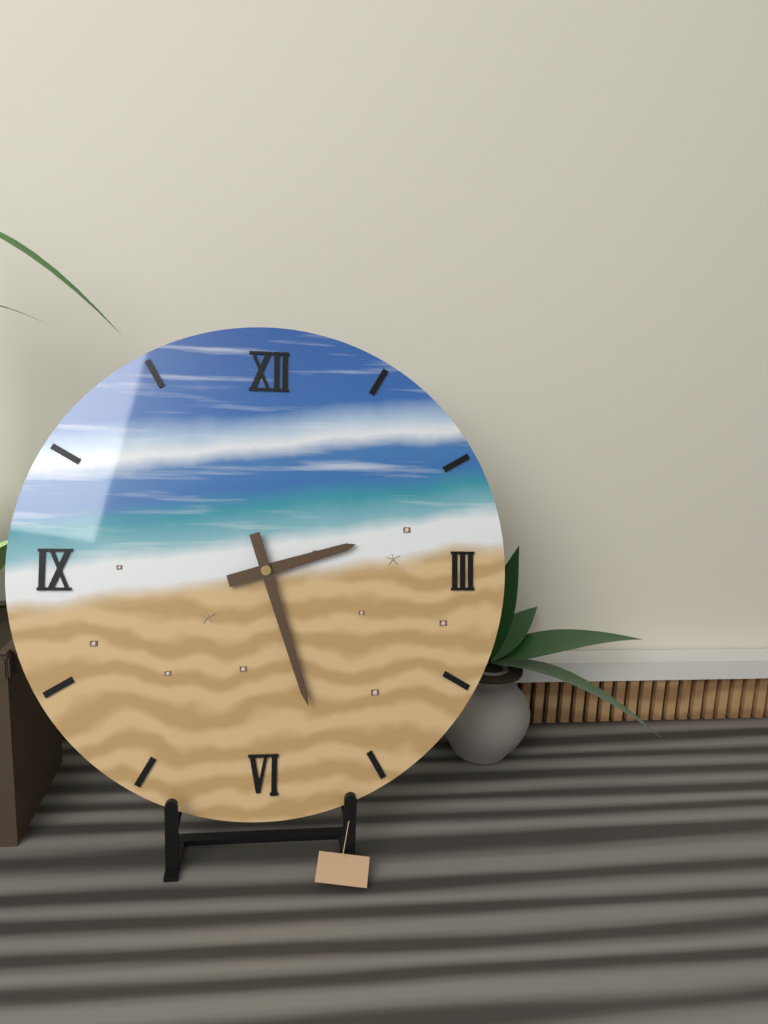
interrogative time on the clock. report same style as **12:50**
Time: **2:27**
